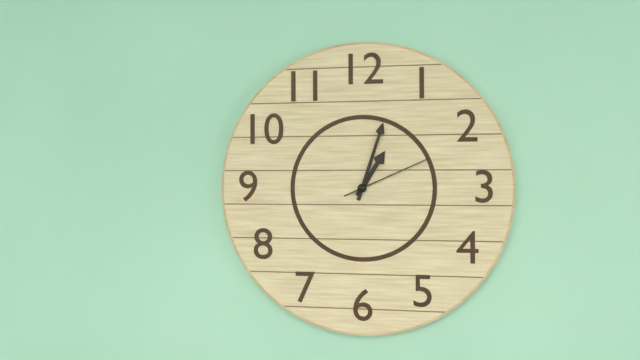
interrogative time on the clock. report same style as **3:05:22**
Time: **1:03:11**
